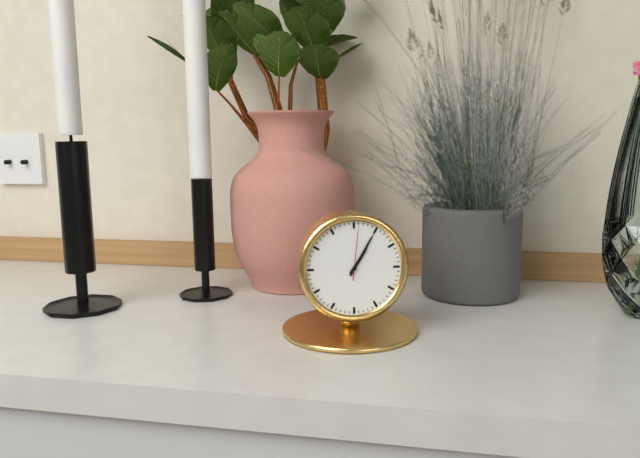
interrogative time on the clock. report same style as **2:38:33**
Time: **1:05:01**
